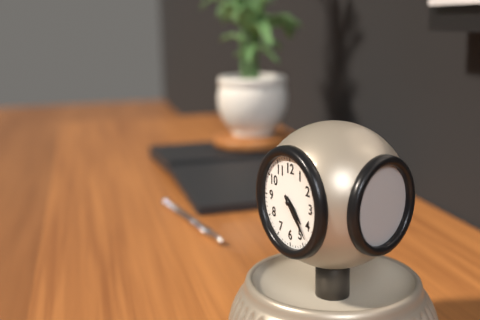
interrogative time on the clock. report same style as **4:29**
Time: **4:23**
